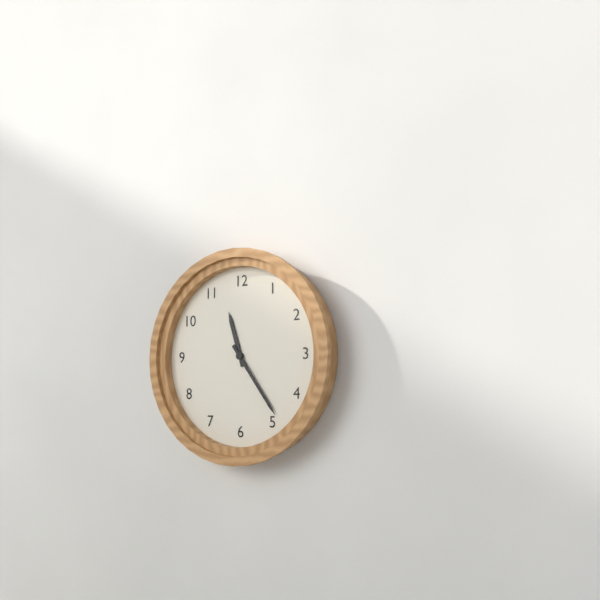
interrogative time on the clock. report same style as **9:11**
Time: **11:24**
